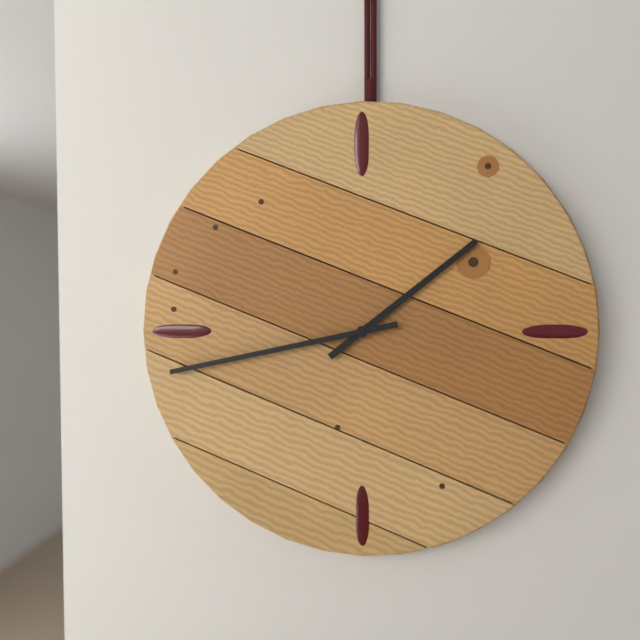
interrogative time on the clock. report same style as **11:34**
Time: **1:43**
